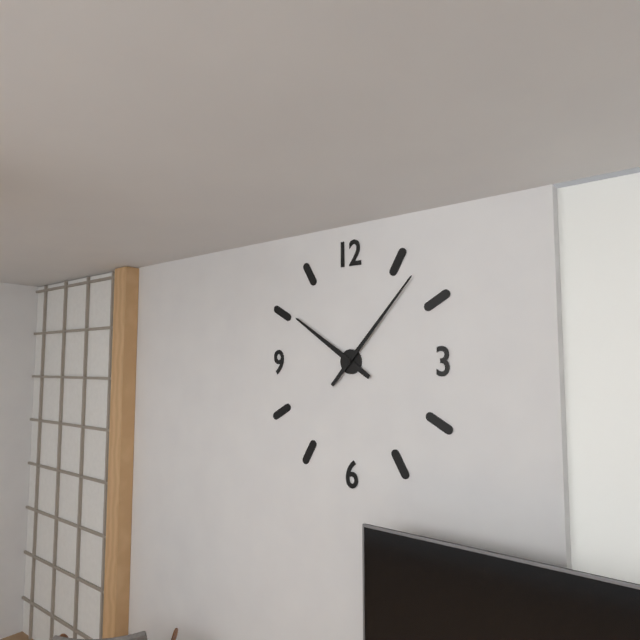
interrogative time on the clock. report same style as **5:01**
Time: **10:07**
